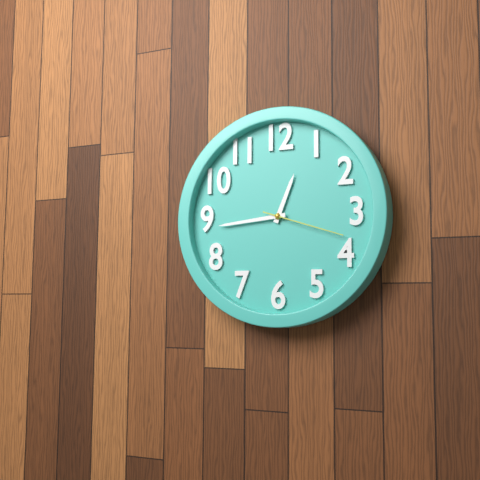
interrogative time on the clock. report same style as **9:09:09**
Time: **12:44:18**
